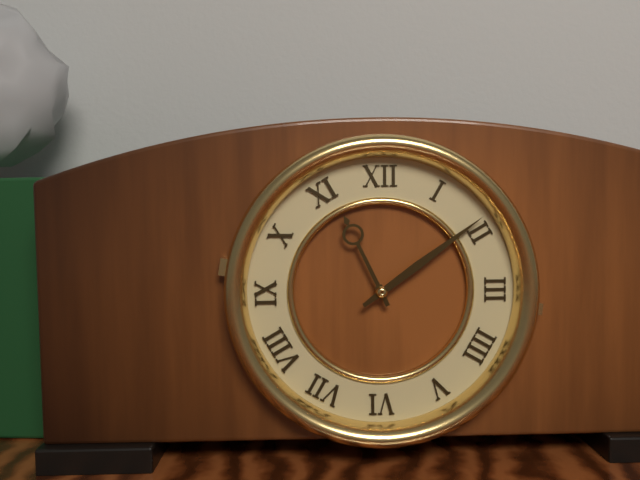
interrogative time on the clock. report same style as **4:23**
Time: **11:09**
